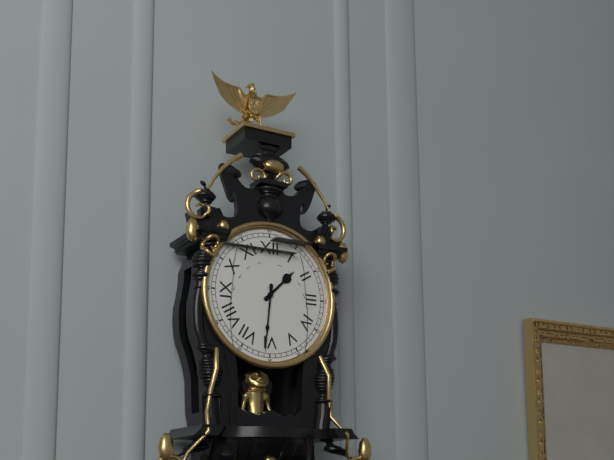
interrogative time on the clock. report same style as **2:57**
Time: **1:31**
